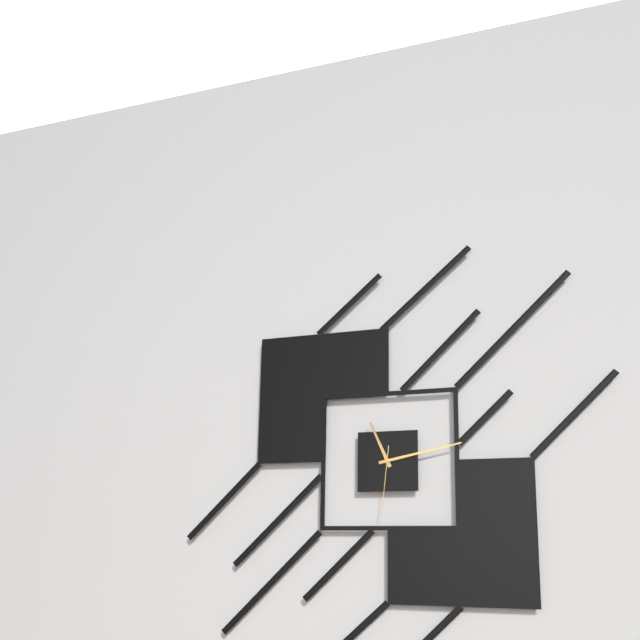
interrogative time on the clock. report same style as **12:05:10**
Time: **11:13:31**
